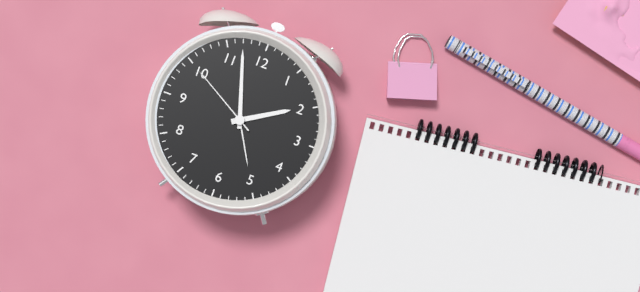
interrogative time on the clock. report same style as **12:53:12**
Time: **1:57:50**
